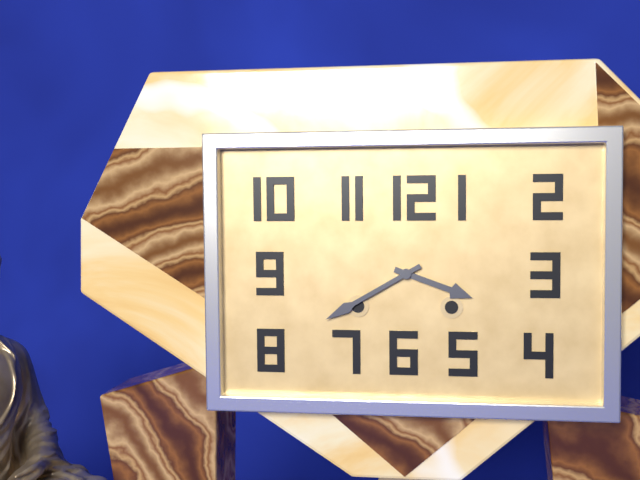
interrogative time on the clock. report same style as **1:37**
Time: **3:40**
